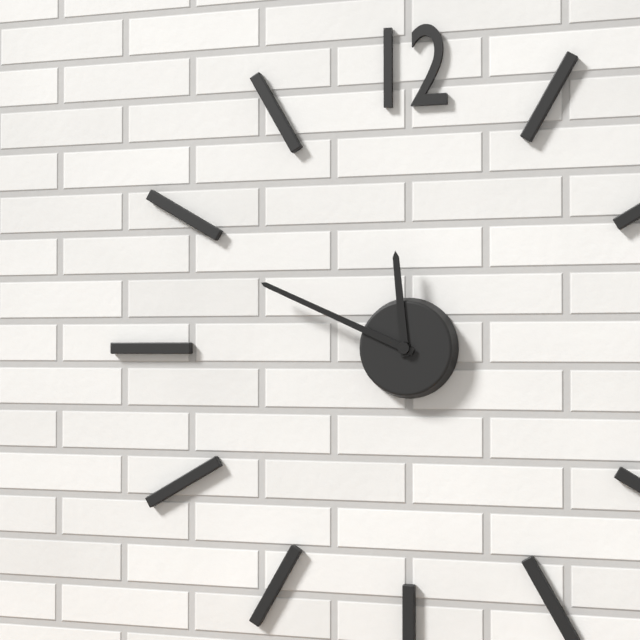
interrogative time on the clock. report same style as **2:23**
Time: **11:49**
